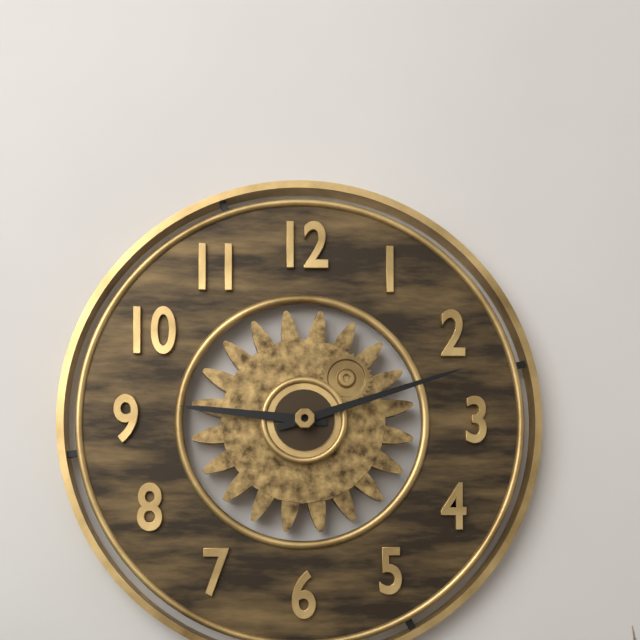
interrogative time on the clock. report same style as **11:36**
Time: **9:12**
